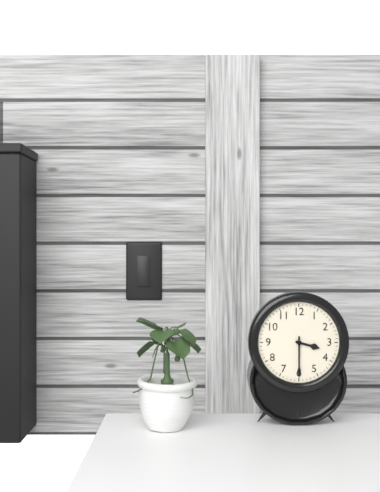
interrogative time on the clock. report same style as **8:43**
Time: **3:30**
